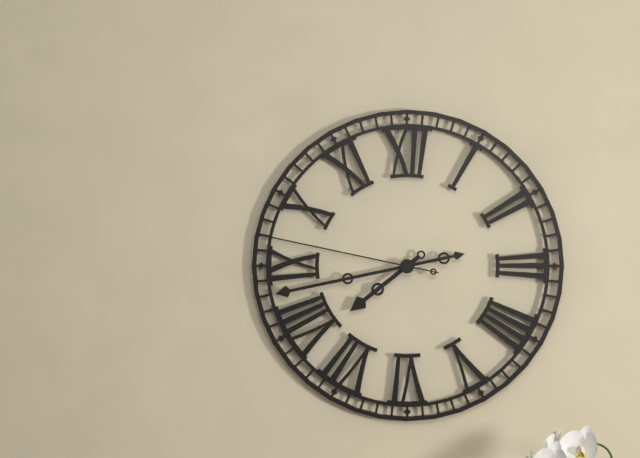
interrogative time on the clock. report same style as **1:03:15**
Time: **7:43:47**
